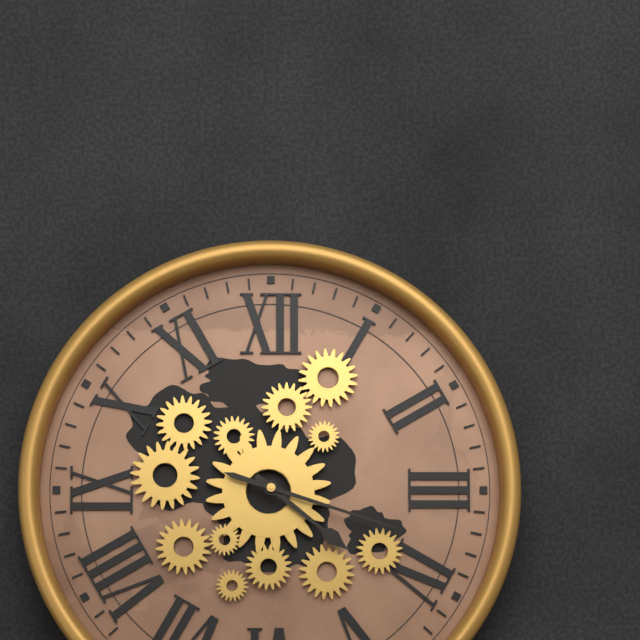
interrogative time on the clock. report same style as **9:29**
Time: **4:18**
